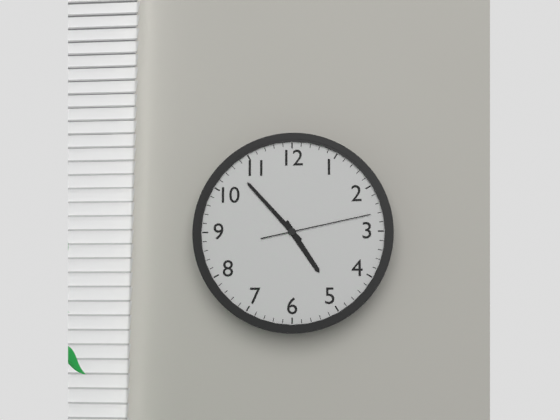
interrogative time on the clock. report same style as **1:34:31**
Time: **4:53:13**
